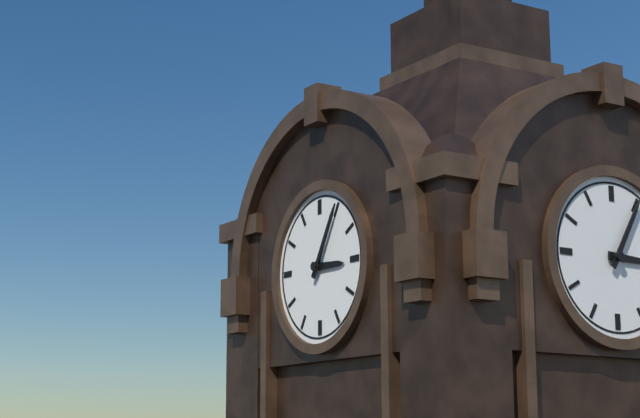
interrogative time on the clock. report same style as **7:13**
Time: **3:05**
